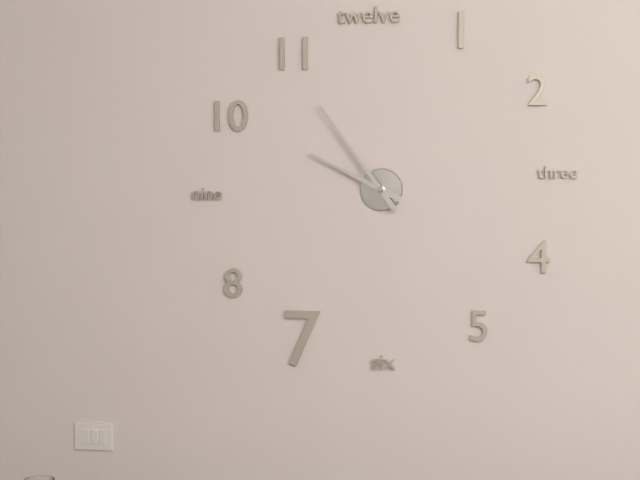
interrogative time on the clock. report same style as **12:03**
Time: **9:54**
